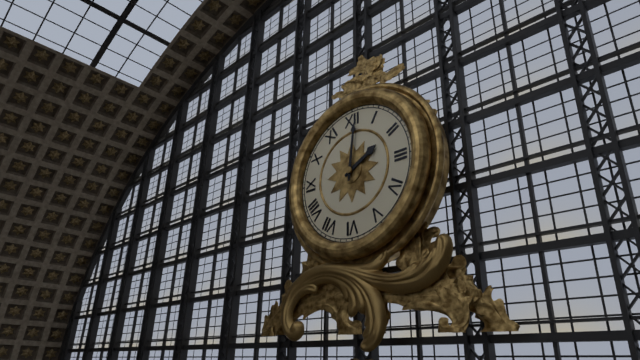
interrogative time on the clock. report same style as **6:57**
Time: **2:01**
